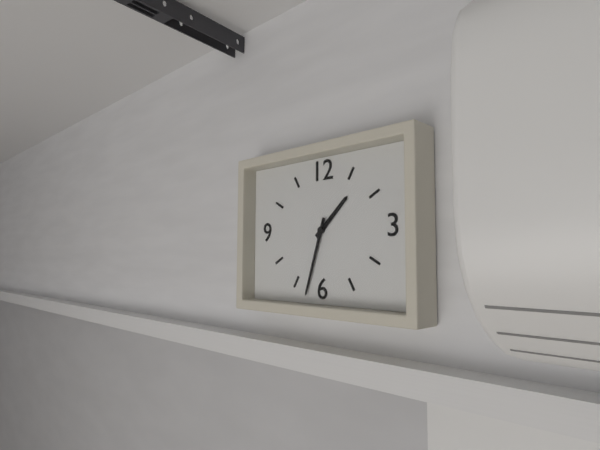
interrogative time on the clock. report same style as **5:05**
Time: **1:33**
